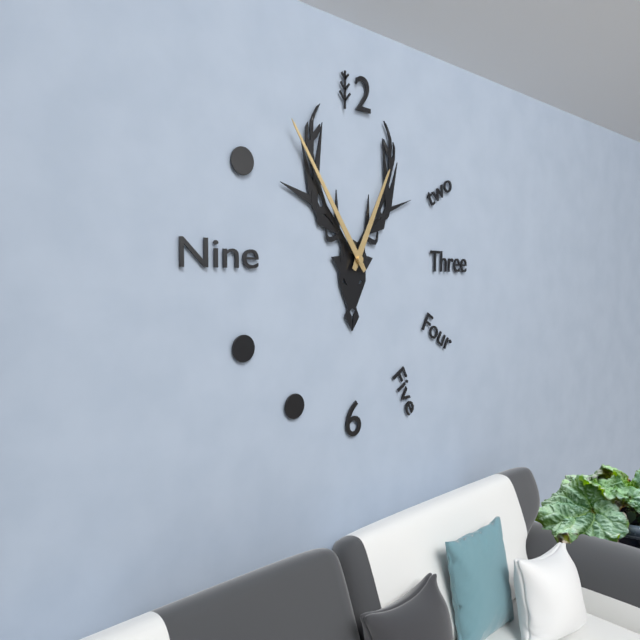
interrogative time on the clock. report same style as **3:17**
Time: **12:54**
